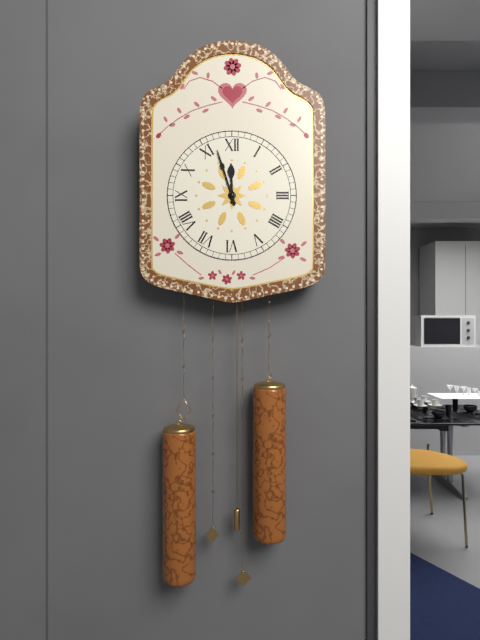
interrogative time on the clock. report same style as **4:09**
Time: **11:57**
